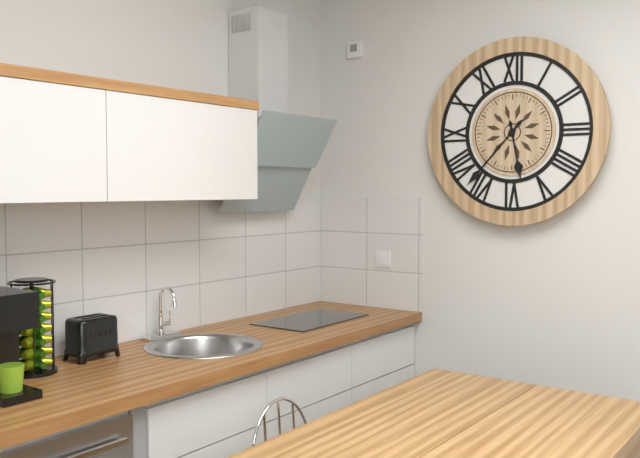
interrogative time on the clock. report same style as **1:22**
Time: **5:37**
